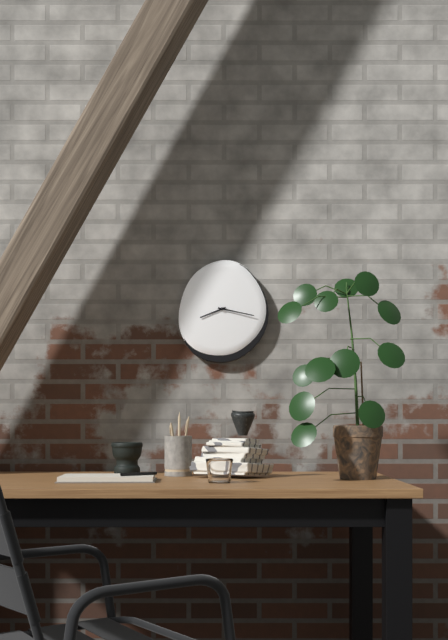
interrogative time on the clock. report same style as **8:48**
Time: **8:17**
